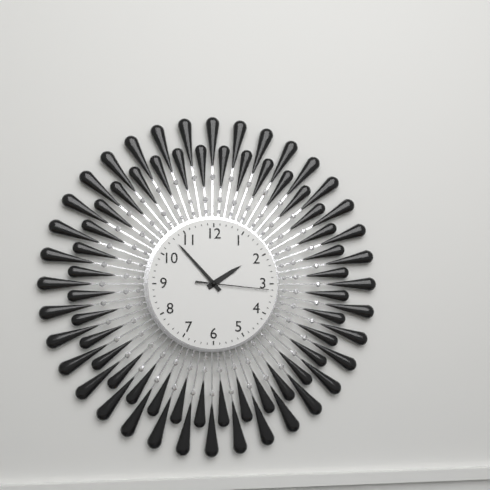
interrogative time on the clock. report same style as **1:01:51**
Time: **1:53:16**
